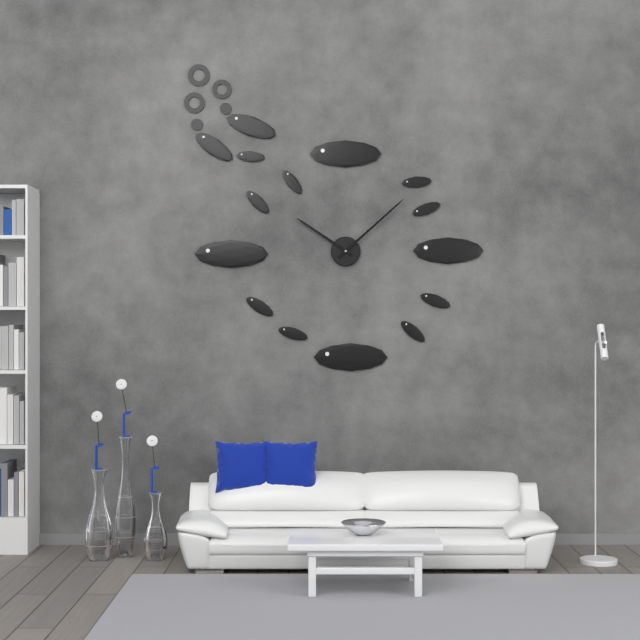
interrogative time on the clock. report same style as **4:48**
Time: **10:08**
